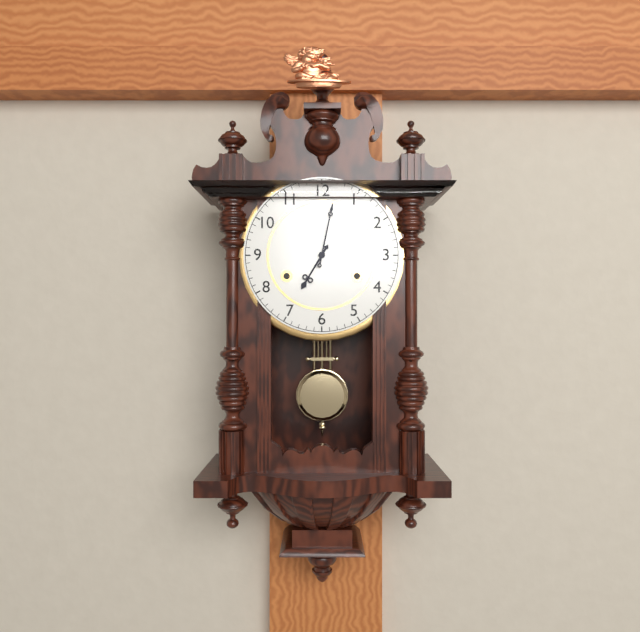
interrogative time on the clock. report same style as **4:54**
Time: **7:02**
